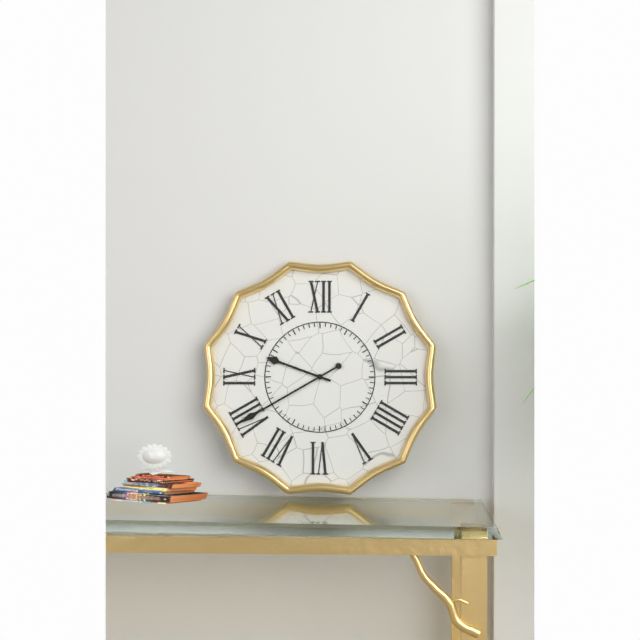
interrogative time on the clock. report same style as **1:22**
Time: **9:40**
